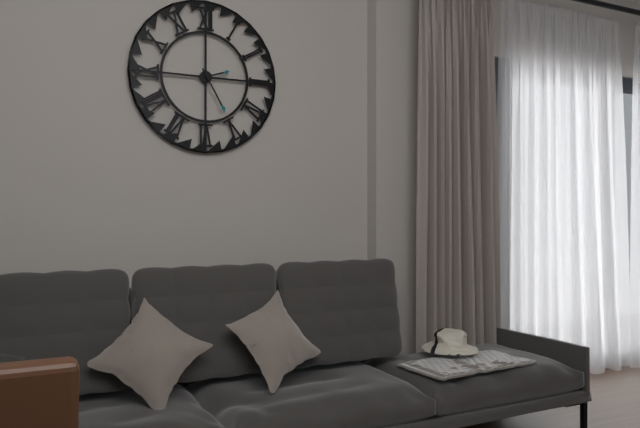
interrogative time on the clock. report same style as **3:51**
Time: **2:25**
